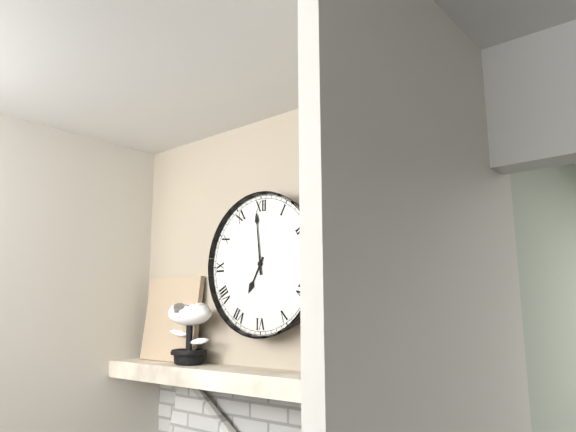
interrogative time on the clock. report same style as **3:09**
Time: **6:59**
